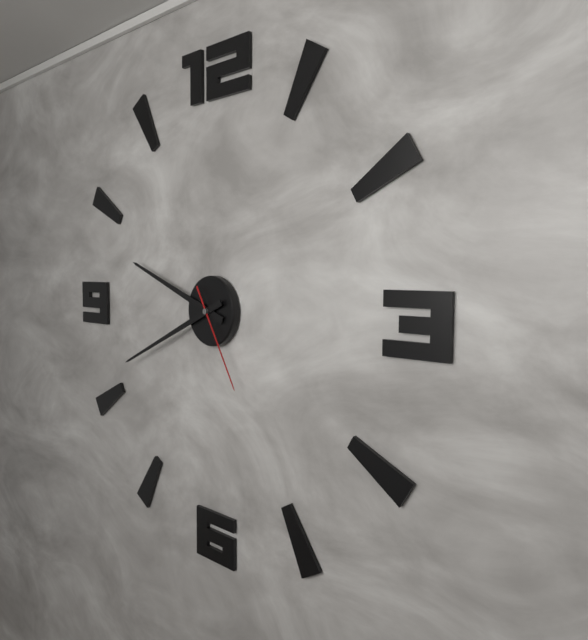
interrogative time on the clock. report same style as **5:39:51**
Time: **9:41:25**
